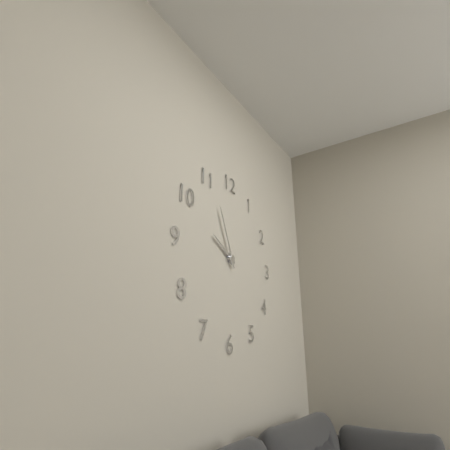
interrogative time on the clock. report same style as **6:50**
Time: **9:56**
